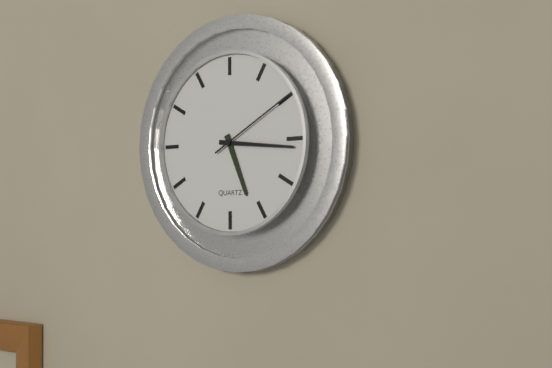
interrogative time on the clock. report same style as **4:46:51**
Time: **5:16:10**
